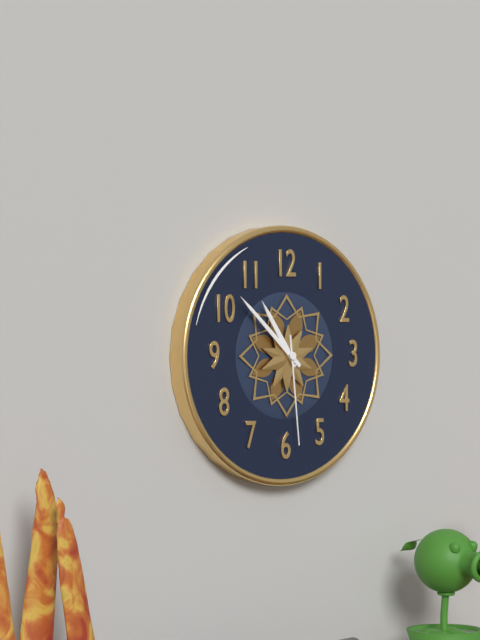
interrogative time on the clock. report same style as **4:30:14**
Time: **10:52:29**
